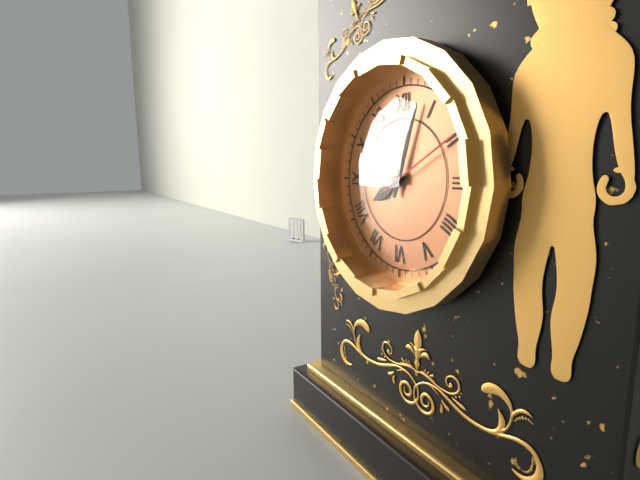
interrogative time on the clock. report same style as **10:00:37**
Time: **8:03:10**
